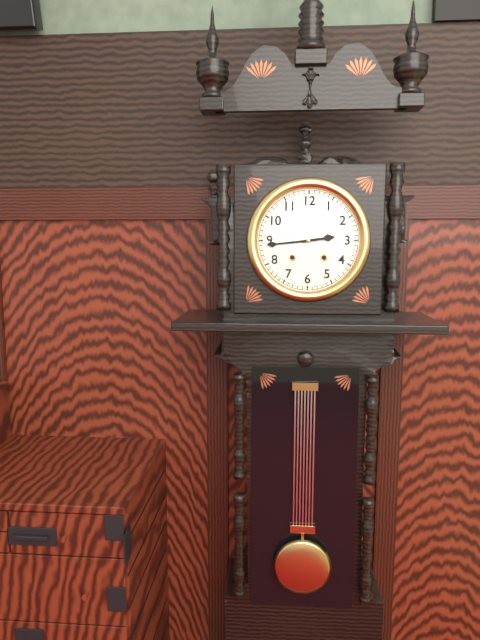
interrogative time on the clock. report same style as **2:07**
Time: **2:44**
